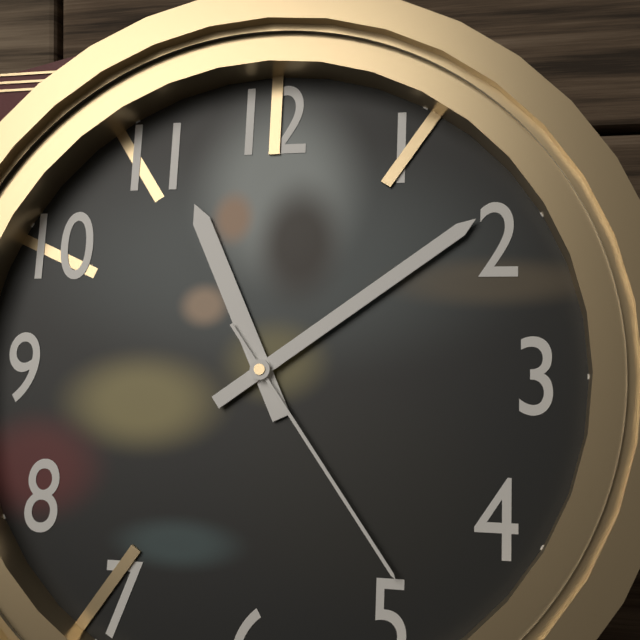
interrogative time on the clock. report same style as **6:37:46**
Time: **11:09:24**
